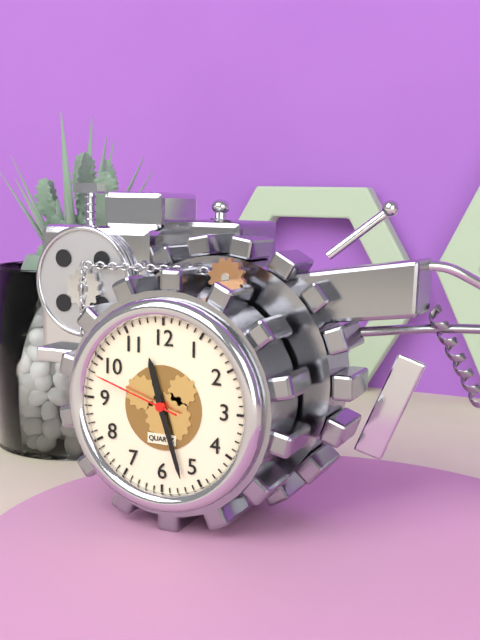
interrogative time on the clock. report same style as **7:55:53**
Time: **11:27:48**
